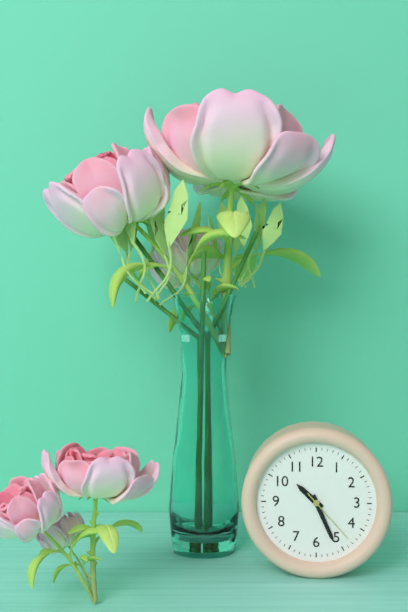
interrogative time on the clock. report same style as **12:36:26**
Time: **10:26:23**
